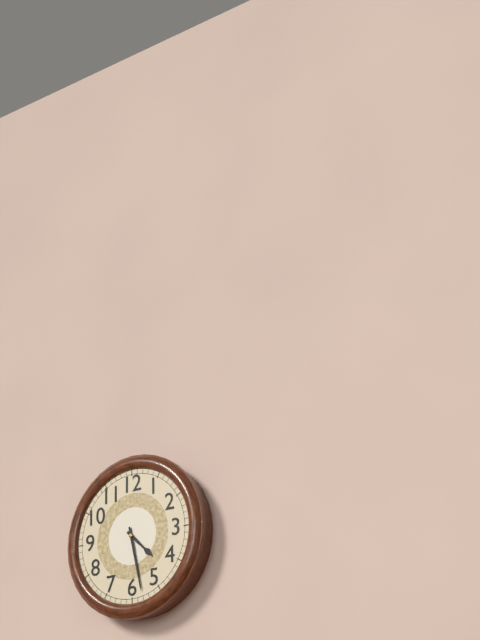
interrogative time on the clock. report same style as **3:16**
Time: **4:28**
